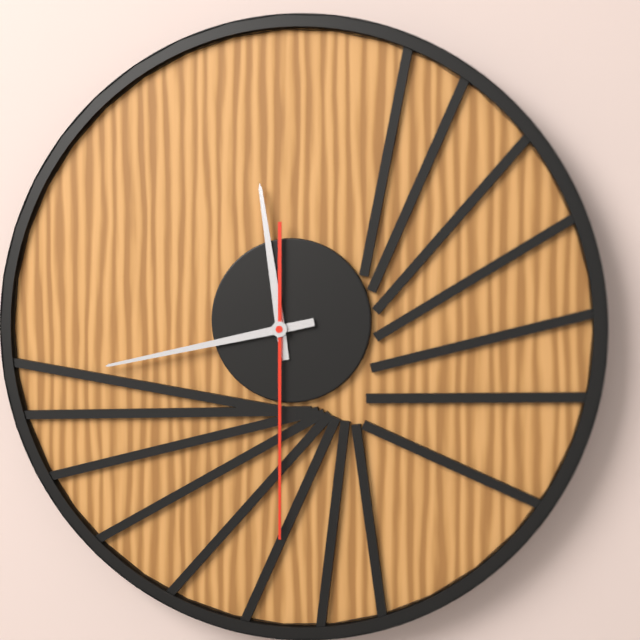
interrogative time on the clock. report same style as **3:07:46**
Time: **11:43:30**
